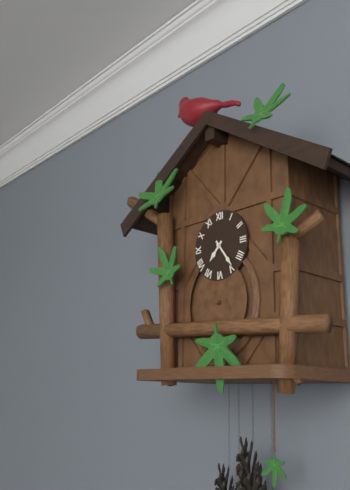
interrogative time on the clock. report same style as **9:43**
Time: **7:24**
